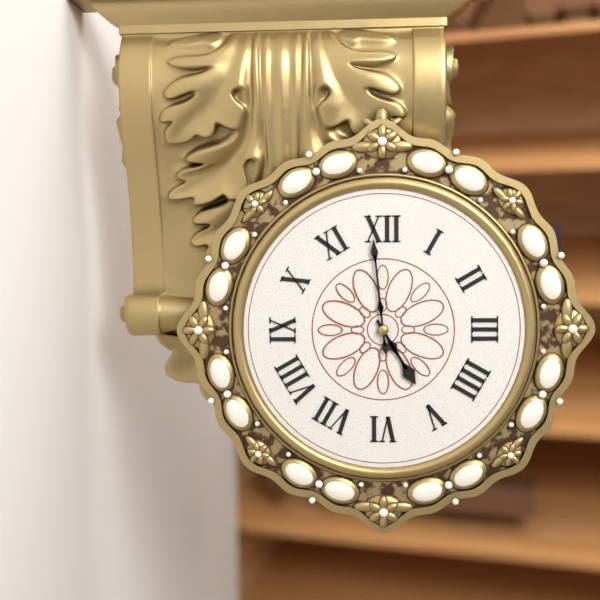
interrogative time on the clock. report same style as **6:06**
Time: **4:59**
